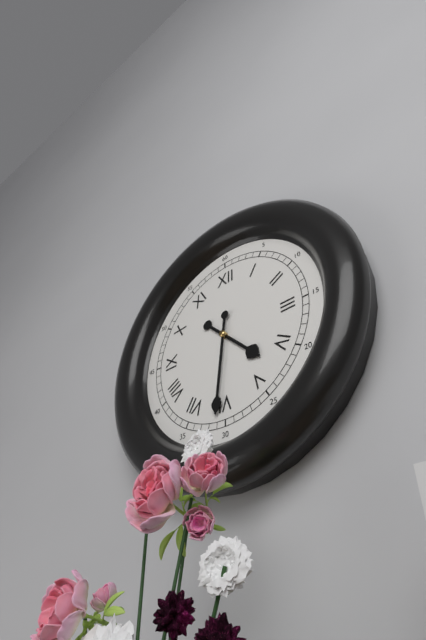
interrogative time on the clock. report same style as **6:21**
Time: **4:31**
